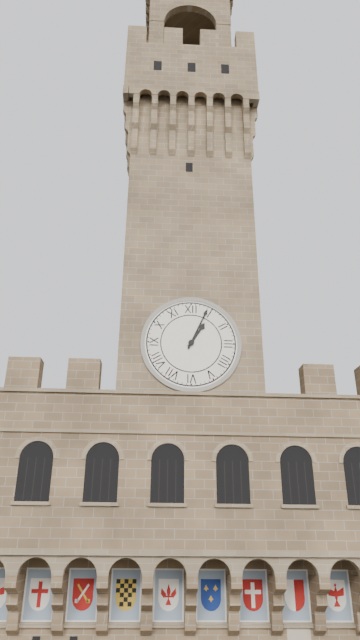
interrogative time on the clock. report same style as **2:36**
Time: **1:04**
